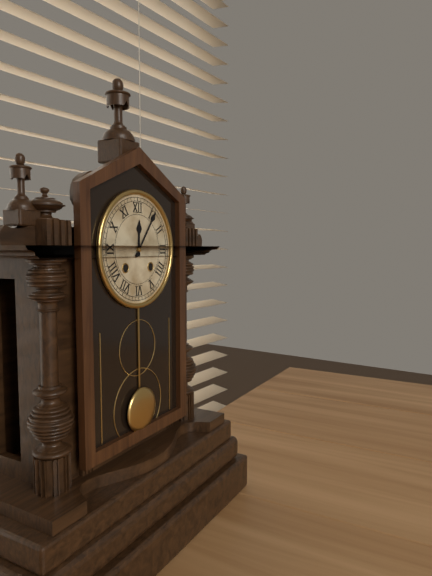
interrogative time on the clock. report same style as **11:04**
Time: **12:06**
